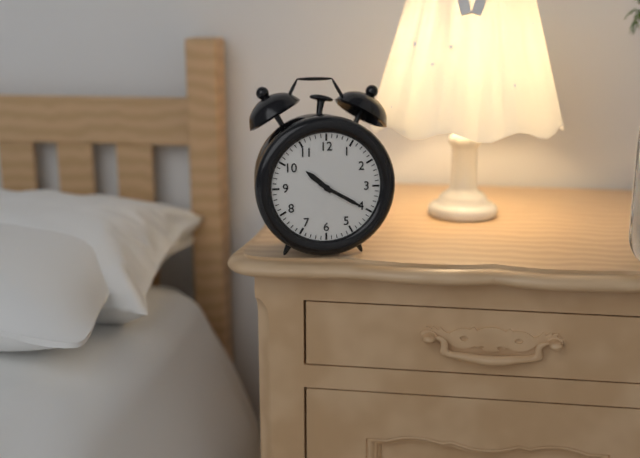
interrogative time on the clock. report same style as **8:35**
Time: **10:20**
